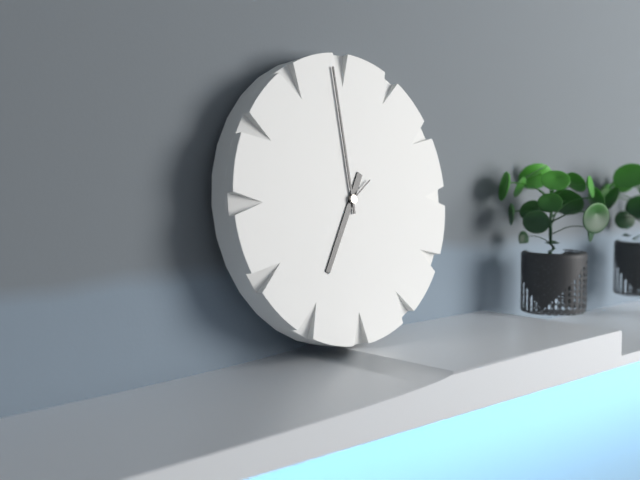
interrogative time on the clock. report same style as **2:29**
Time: **6:59**
